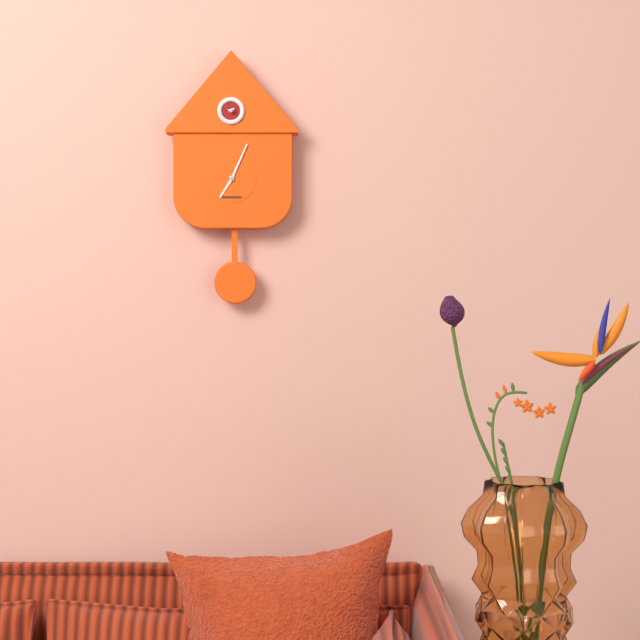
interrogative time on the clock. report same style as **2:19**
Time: **7:04**
